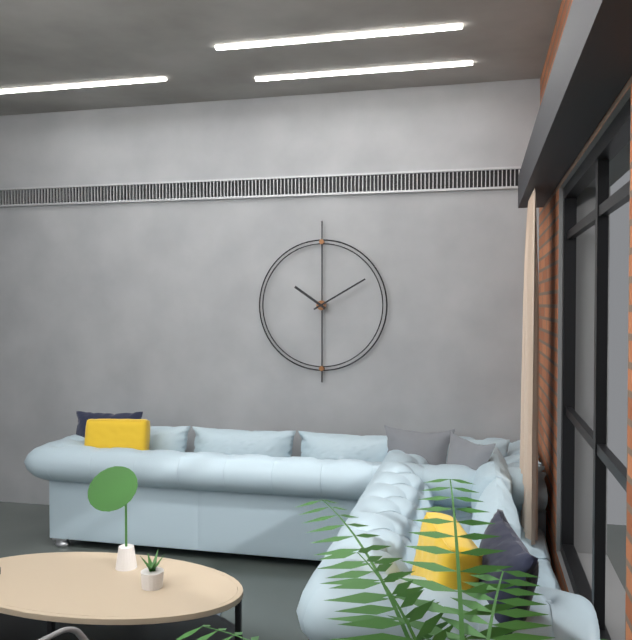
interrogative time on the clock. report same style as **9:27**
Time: **10:10**
